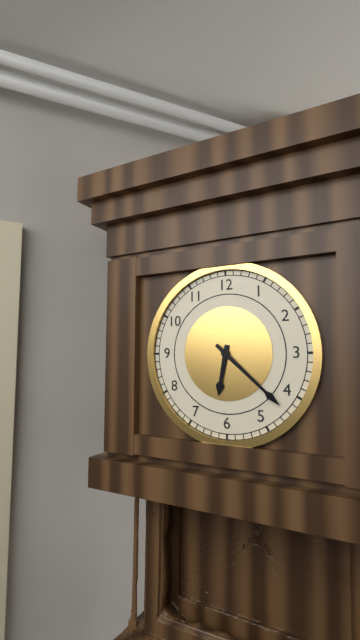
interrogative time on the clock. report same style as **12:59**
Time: **6:22**
